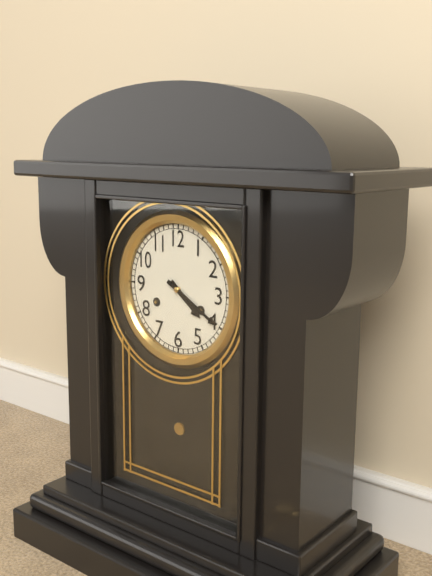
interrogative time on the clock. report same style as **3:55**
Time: **4:20**
